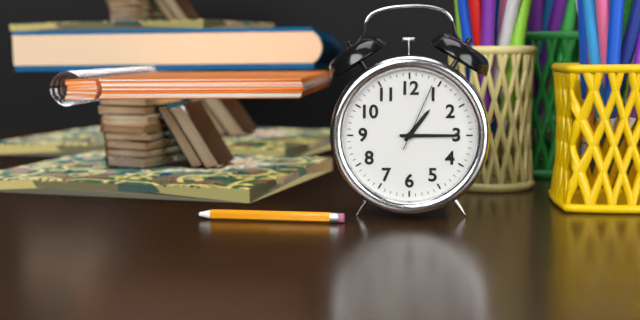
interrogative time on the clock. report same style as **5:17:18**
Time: **1:15:04**
